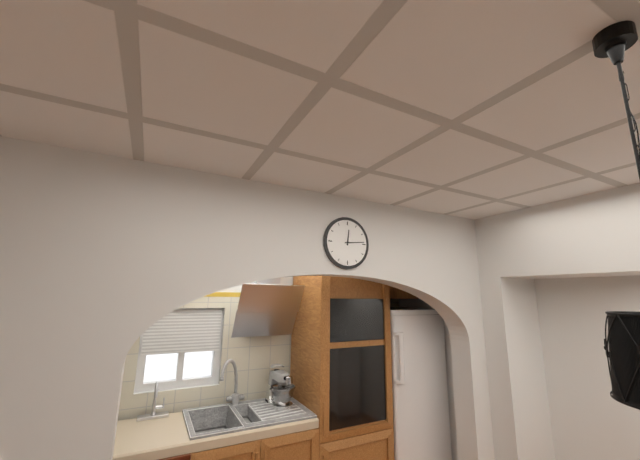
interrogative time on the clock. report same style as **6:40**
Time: **12:14**
